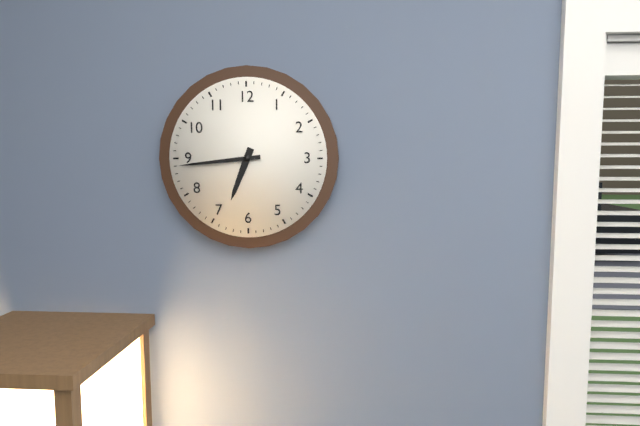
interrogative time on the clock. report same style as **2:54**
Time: **6:44**
